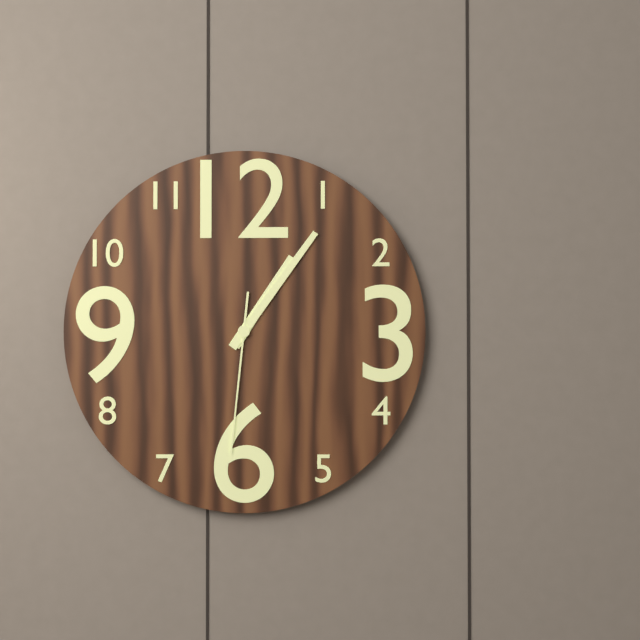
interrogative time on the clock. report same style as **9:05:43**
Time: **1:06:31**
